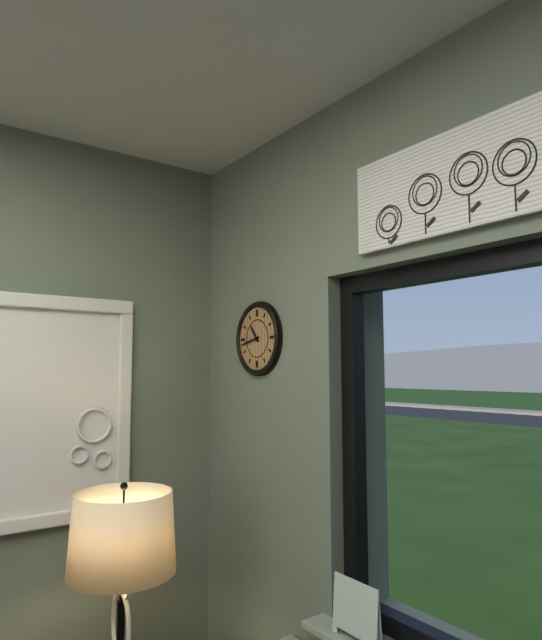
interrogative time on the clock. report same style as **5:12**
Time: **10:43**
